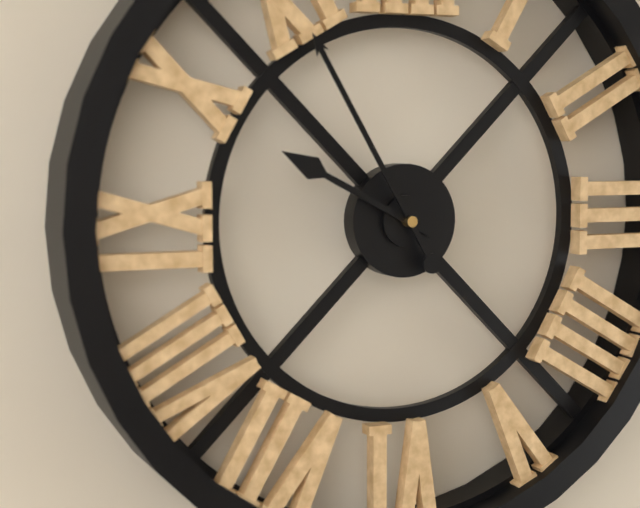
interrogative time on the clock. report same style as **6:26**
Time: **9:55**
